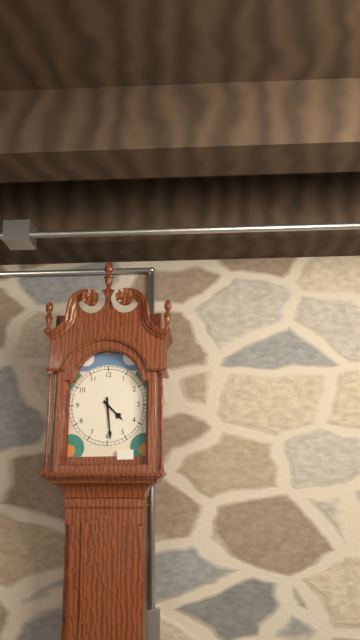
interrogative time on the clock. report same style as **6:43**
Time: **4:29**
